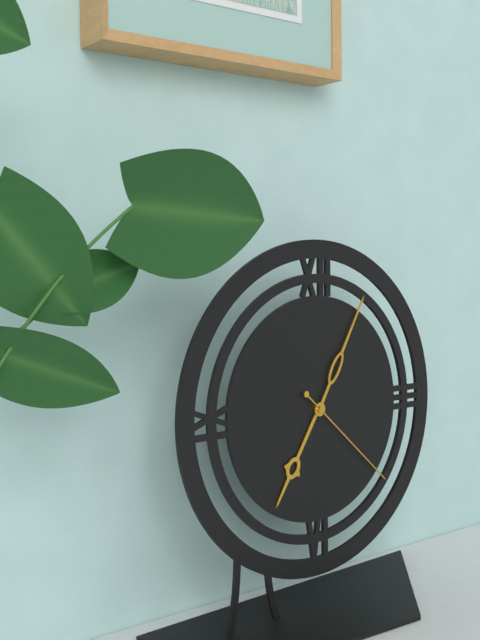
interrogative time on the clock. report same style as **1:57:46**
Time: **7:05:22**
